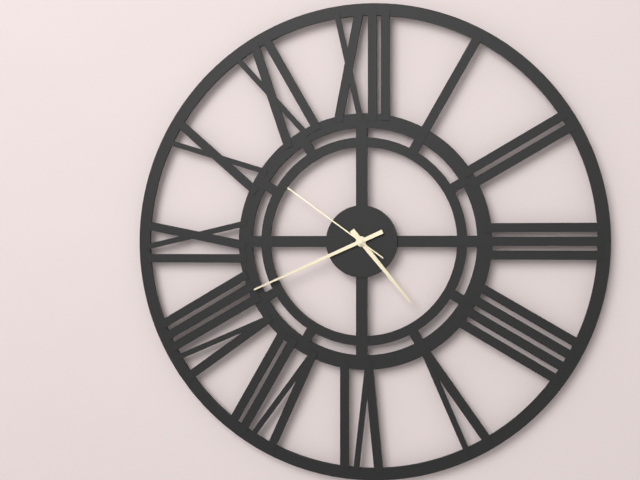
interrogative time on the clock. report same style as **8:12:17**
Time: **4:41:51**
